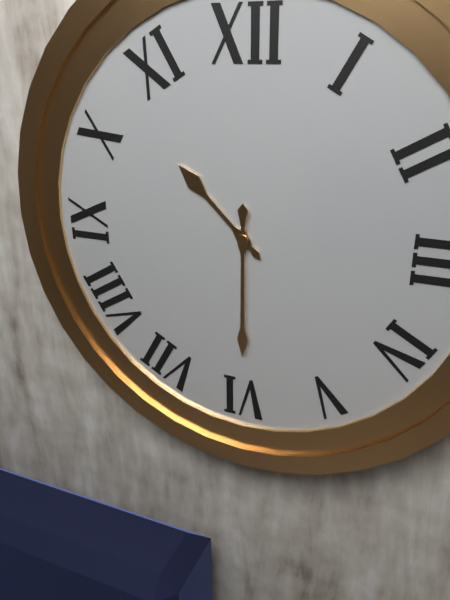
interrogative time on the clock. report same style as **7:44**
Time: **10:30**
